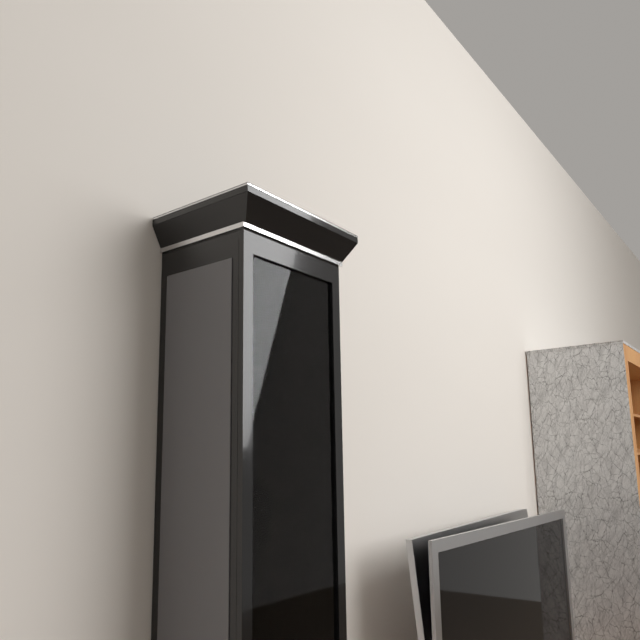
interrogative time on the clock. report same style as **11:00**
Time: **11:26**
